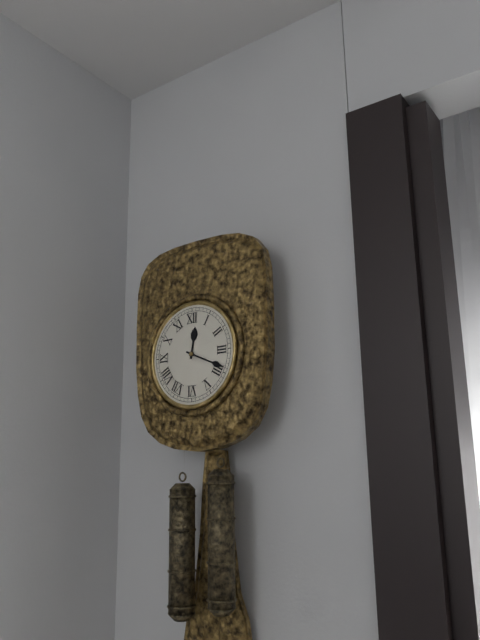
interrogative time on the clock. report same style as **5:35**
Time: **12:19**
